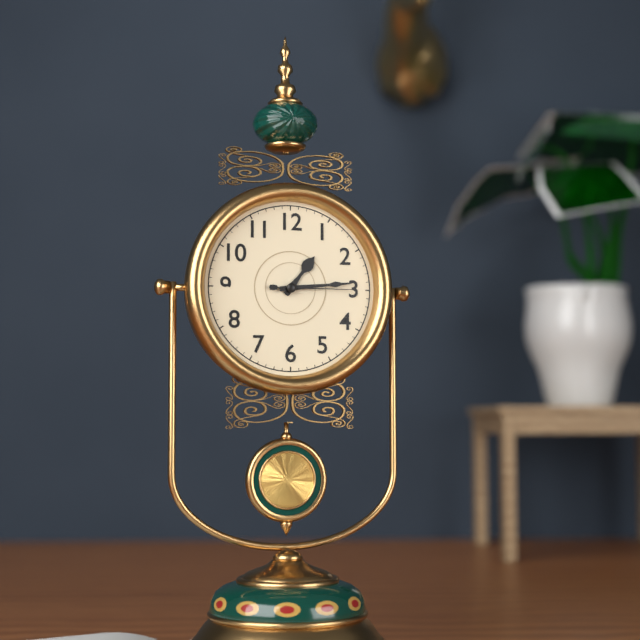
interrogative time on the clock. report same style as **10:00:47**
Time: **1:14:15**
